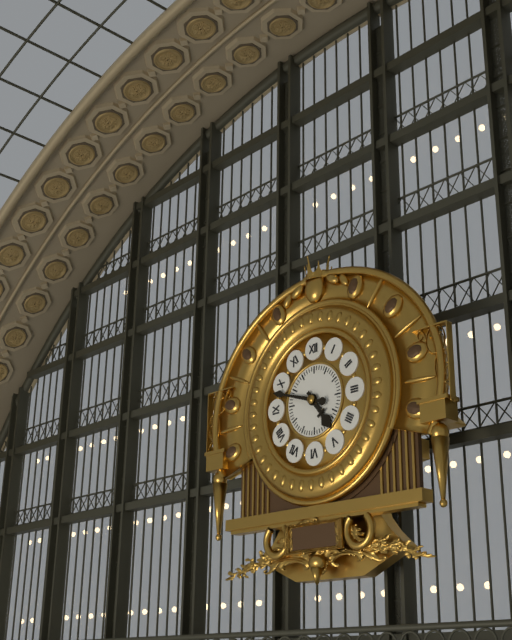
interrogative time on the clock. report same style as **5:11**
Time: **4:48**
